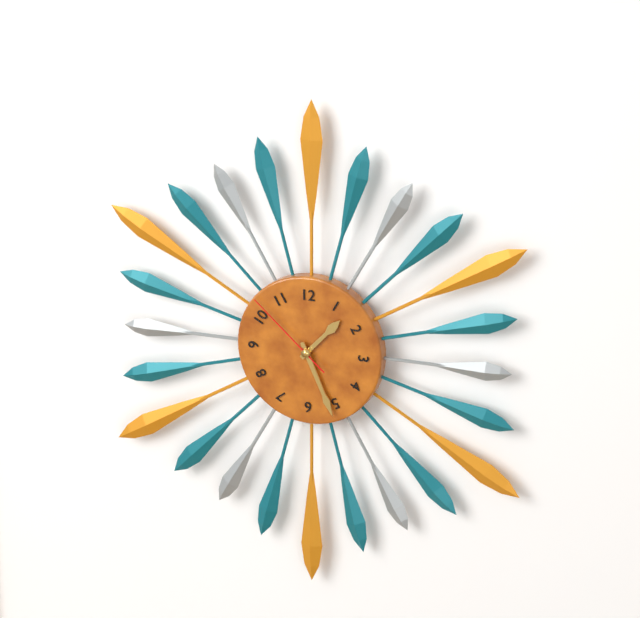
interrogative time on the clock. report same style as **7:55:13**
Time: **1:26:52**
